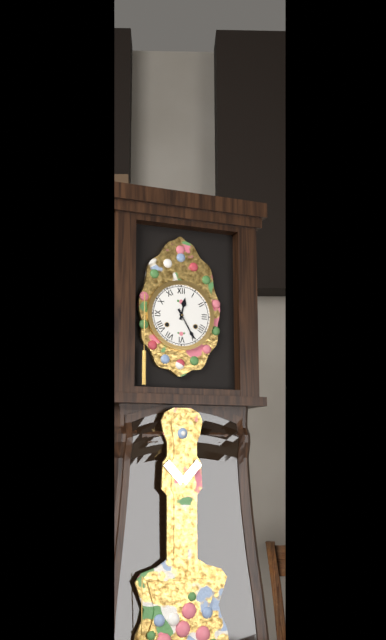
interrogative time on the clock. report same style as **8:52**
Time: **12:25**
